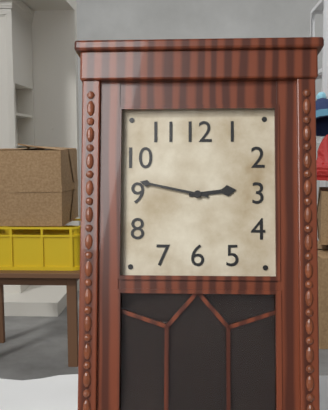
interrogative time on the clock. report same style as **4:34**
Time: **2:47**
